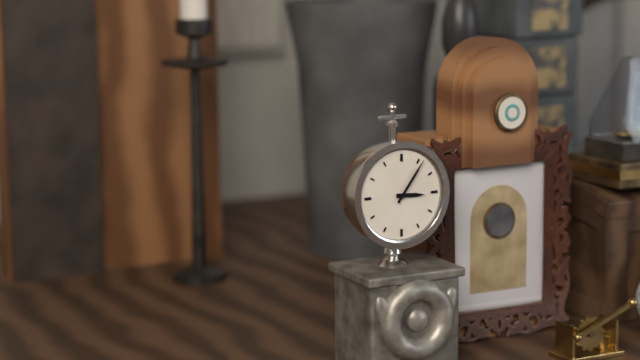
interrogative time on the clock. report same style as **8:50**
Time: **3:06**
